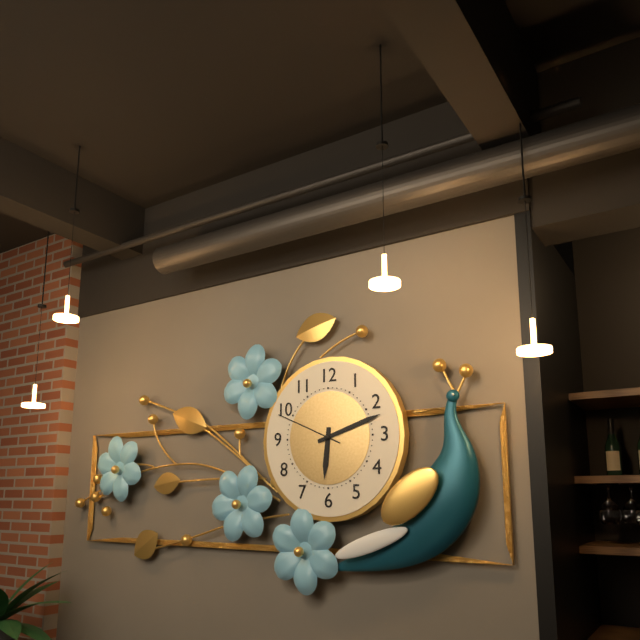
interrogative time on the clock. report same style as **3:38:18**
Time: **6:12:49**
